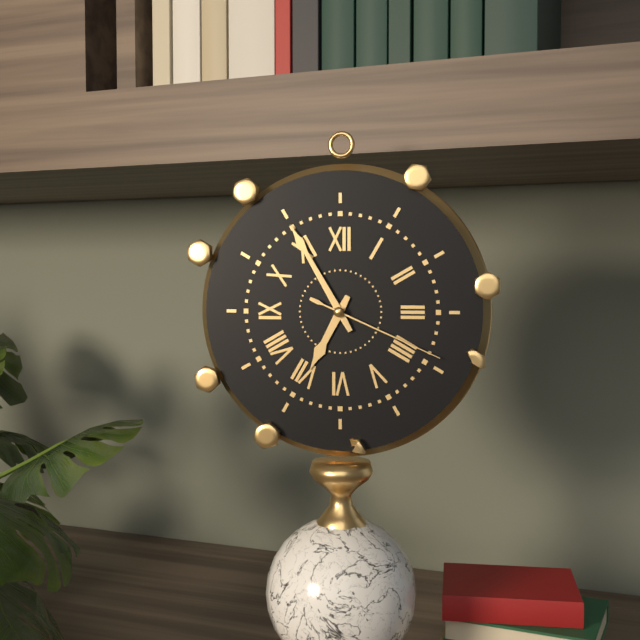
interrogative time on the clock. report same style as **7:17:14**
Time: **6:55:19**
